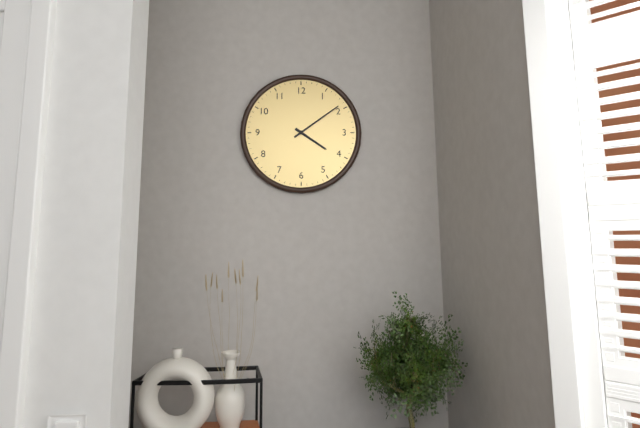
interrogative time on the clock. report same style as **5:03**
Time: **4:09**
